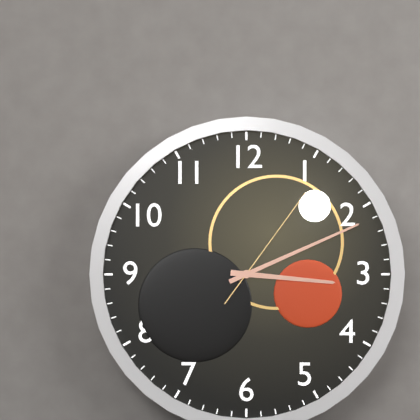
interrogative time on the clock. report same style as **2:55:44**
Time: **3:11:06**
